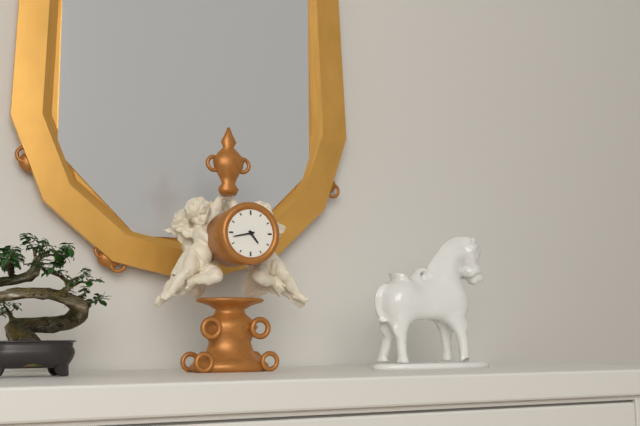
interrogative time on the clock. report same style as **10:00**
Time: **4:43**
